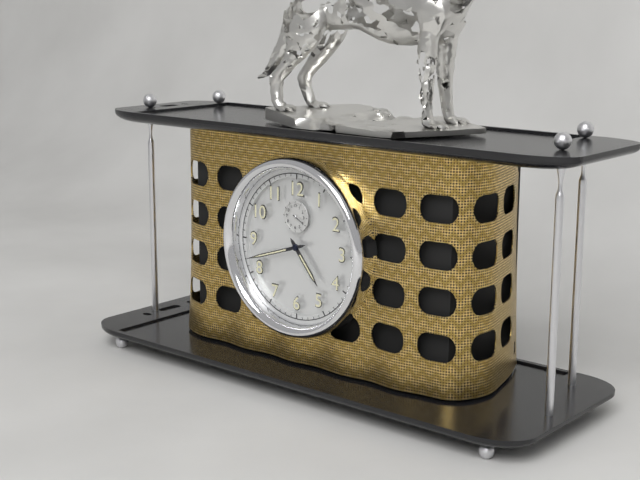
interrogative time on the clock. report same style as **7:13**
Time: **4:42**
